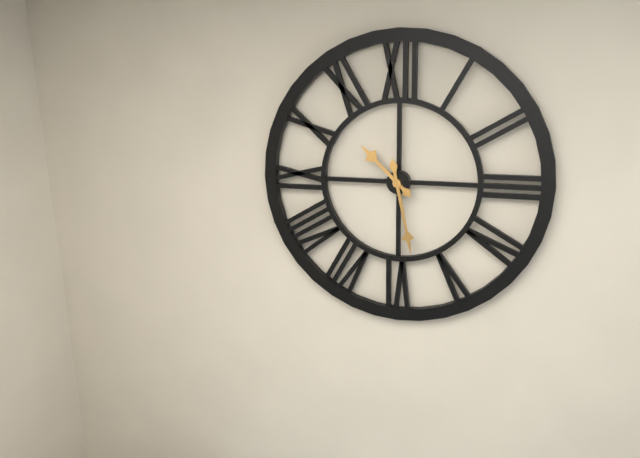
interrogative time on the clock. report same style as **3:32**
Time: **10:28**
